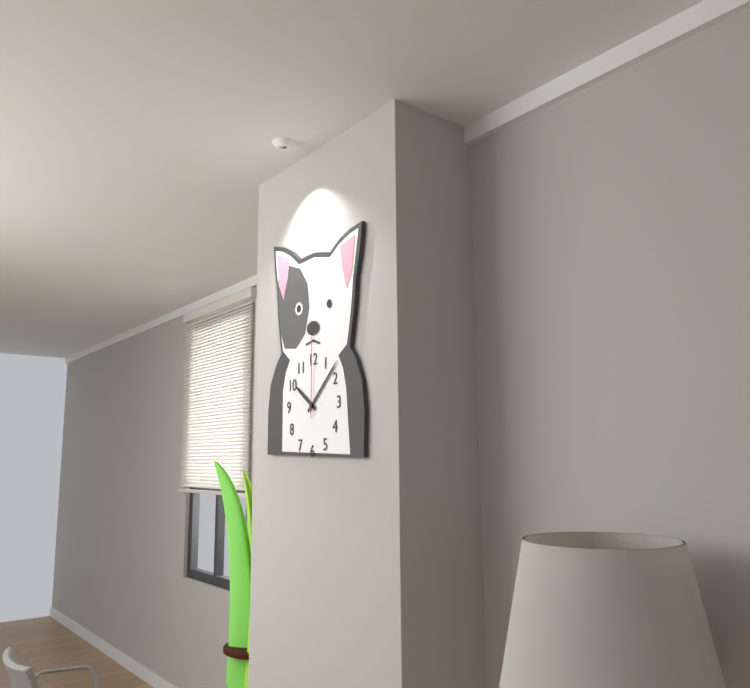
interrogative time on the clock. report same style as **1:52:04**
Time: **10:08:00**
